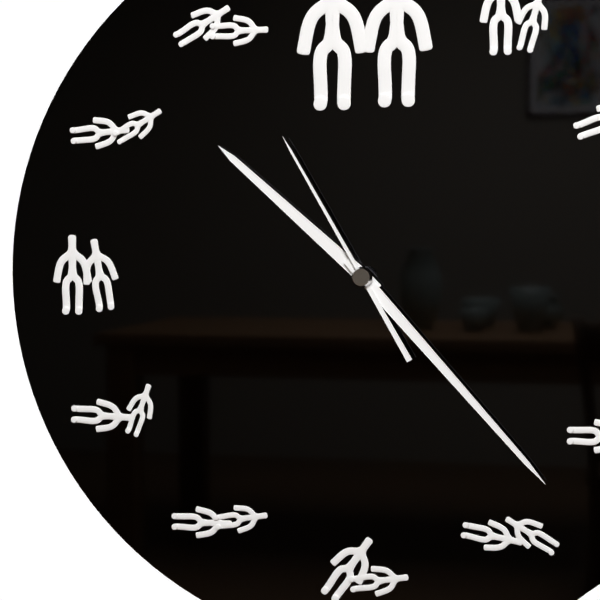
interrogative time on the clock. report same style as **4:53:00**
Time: **10:23:55**
